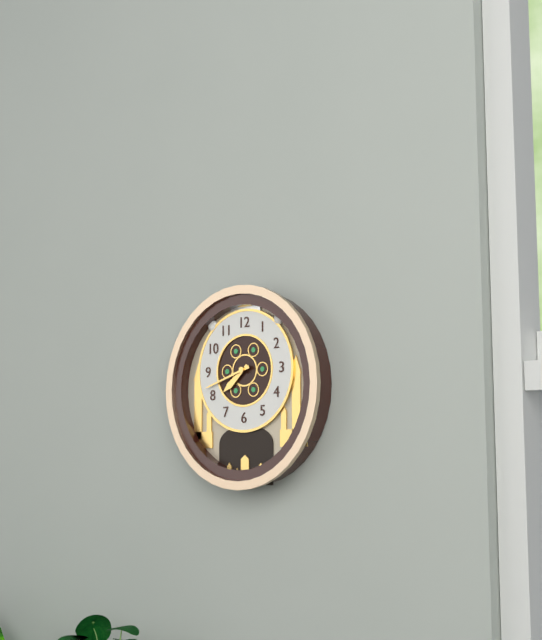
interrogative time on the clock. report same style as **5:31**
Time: **7:42**
